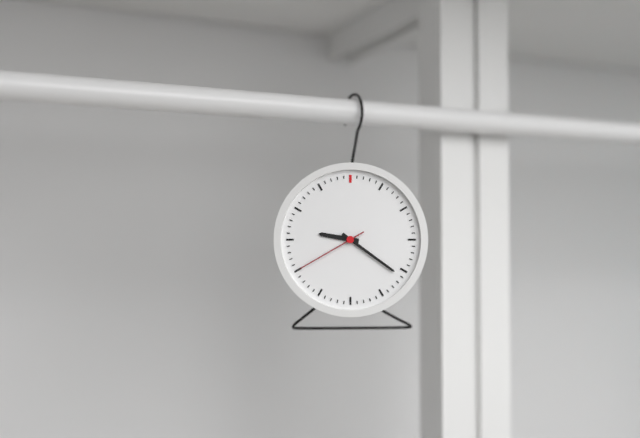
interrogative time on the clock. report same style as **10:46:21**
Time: **9:21:40**
